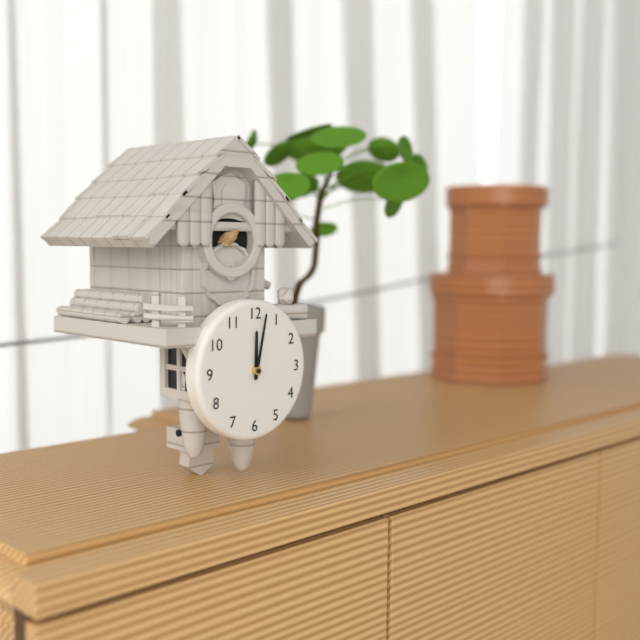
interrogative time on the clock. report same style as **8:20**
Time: **12:02**
